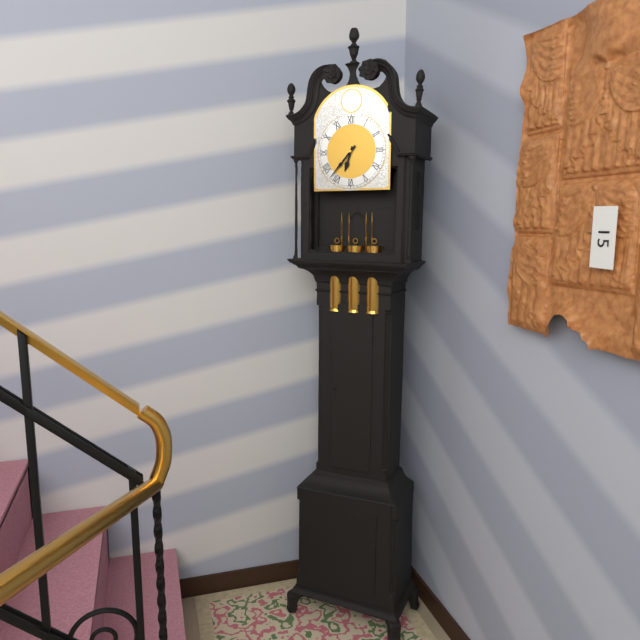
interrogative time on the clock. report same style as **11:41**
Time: **6:37**
